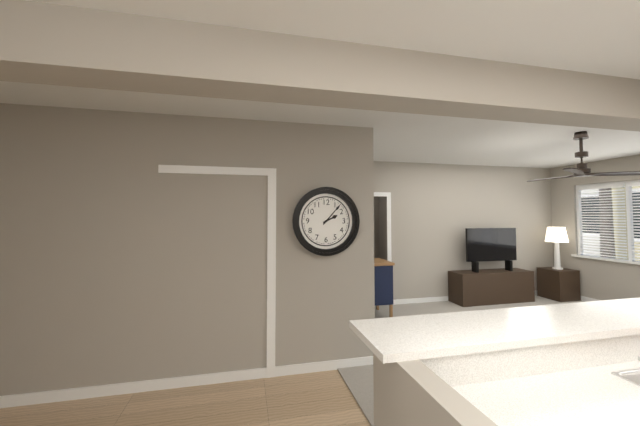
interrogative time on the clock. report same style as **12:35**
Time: **2:07**
